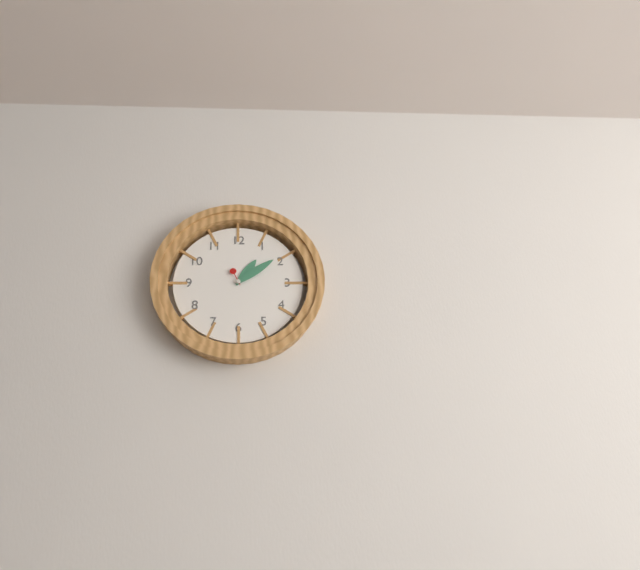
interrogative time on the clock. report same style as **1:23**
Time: **1:09**
